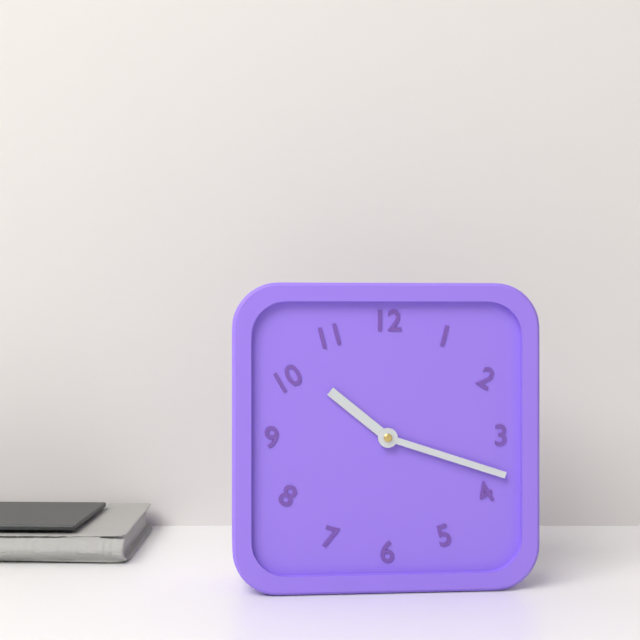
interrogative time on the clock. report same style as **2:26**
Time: **10:18**
